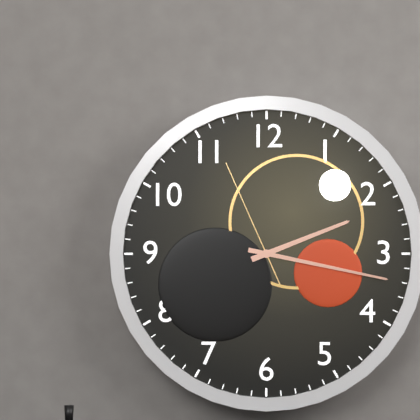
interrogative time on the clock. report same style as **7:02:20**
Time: **2:17:56**
